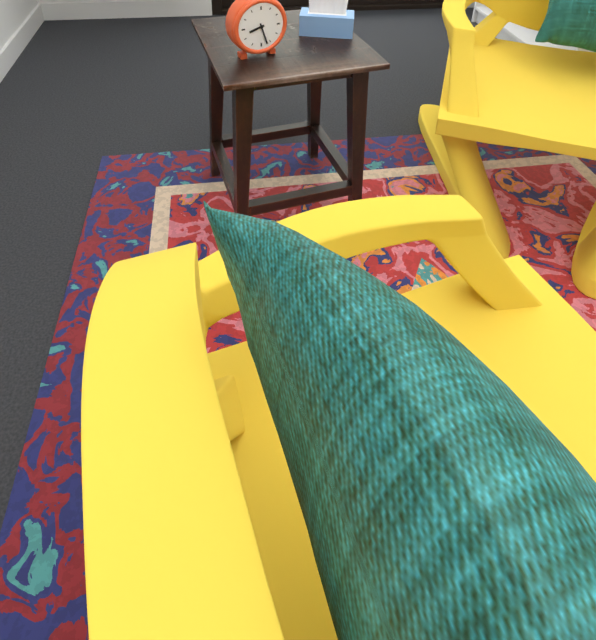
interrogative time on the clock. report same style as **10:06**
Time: **8:27**
